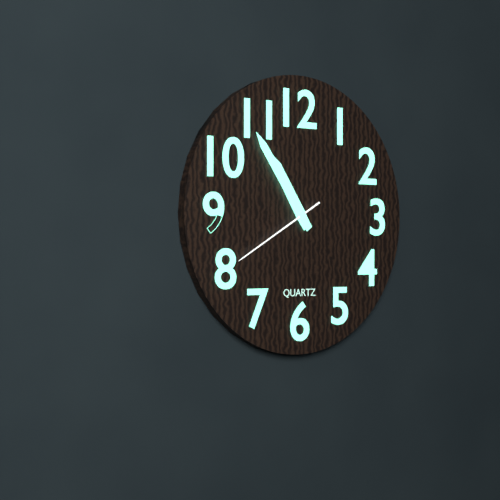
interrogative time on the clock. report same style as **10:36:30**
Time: **10:54:40**
